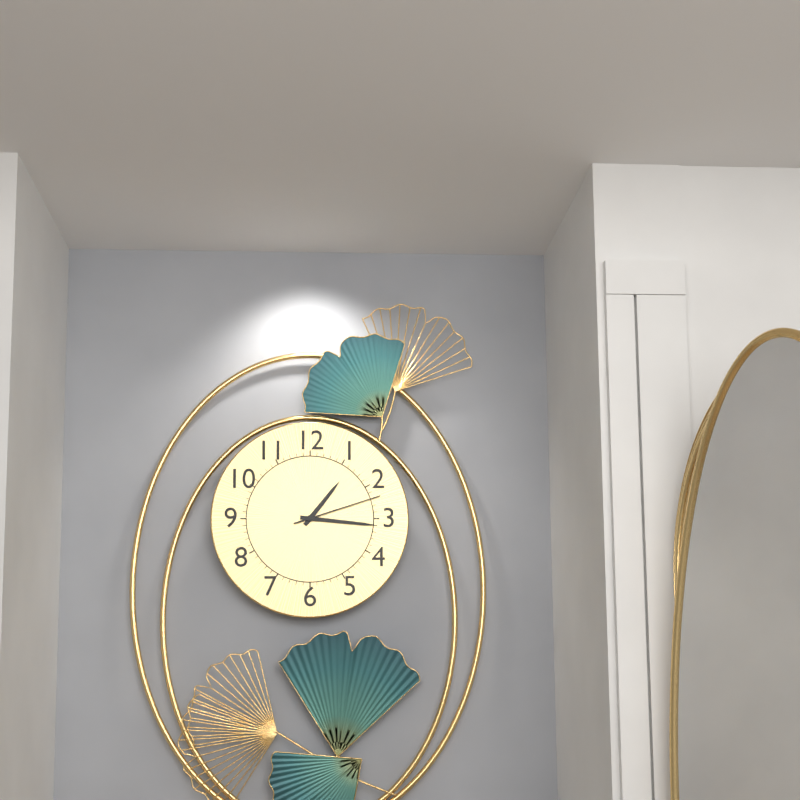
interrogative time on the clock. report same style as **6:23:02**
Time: **1:16:12**
